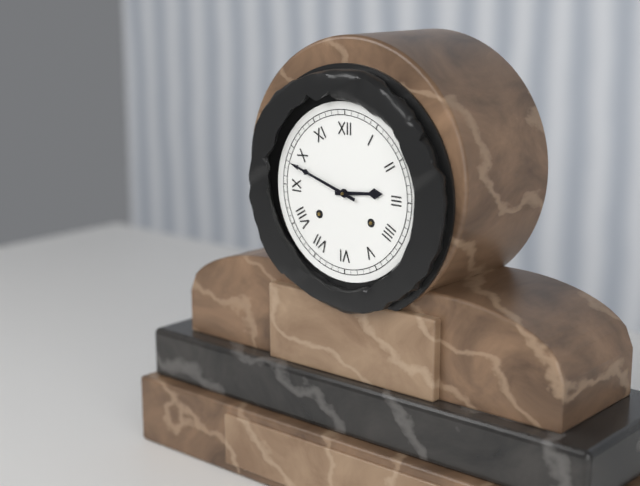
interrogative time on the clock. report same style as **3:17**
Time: **2:48**
